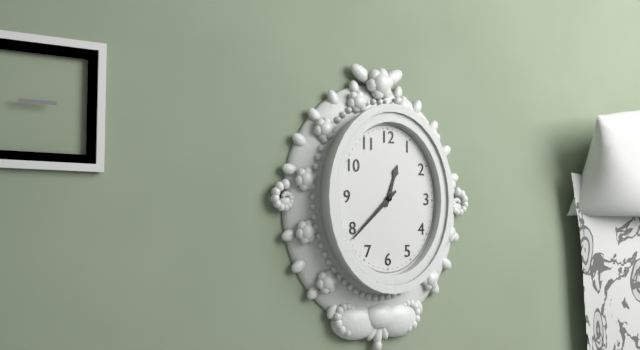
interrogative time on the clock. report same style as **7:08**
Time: **12:38**
